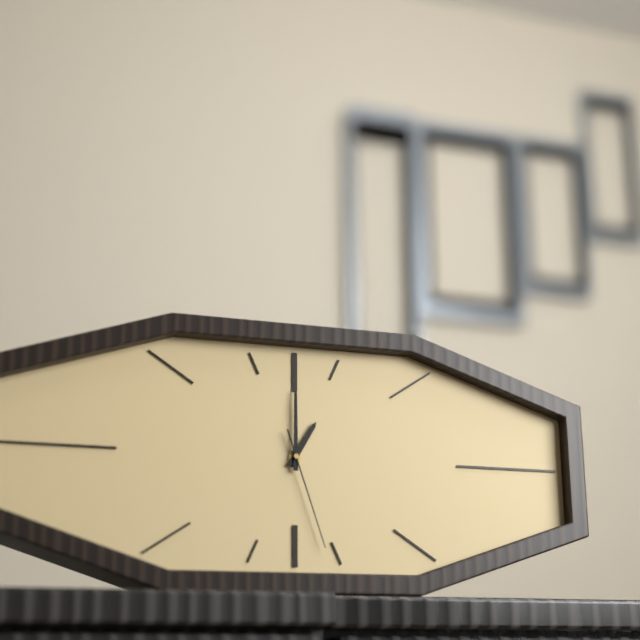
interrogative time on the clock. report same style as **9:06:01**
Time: **1:00:27**
